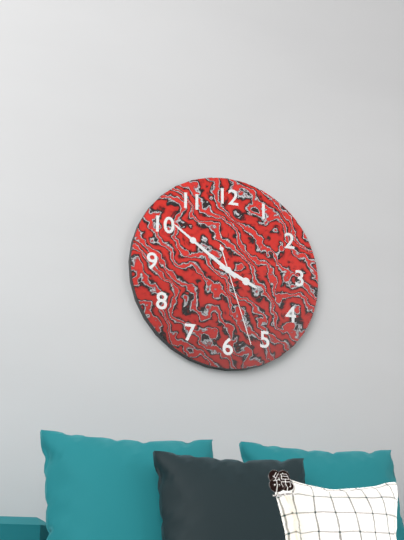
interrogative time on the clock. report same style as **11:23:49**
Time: **3:51:27**
